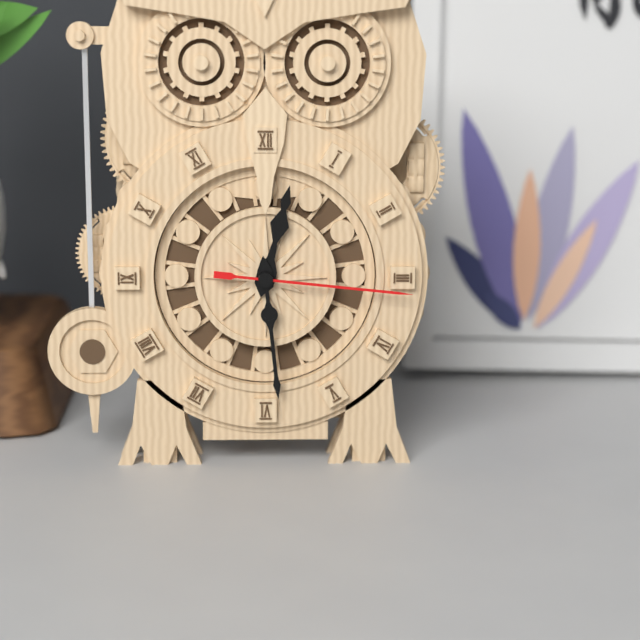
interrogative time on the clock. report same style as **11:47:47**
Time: **12:29:16**
